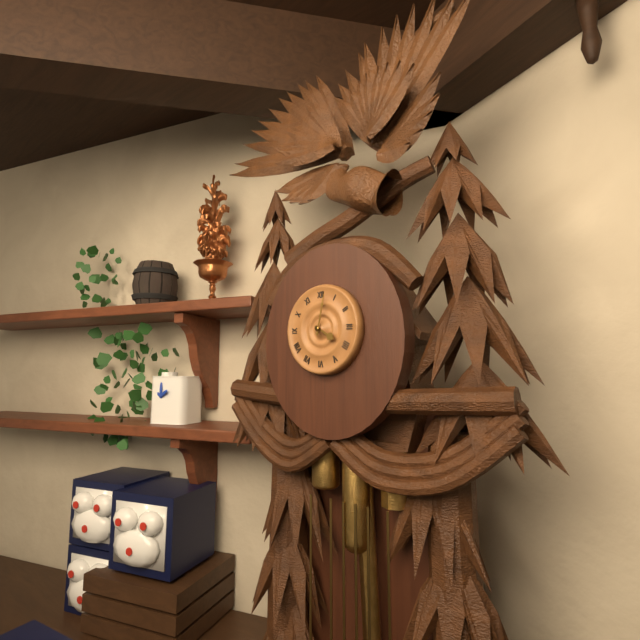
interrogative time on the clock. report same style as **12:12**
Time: **4:02**
